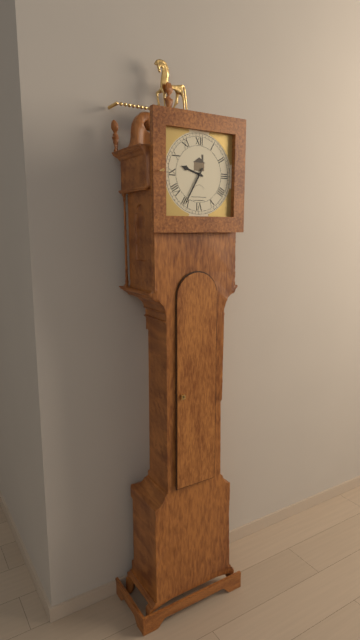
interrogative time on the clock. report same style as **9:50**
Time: **9:35**
